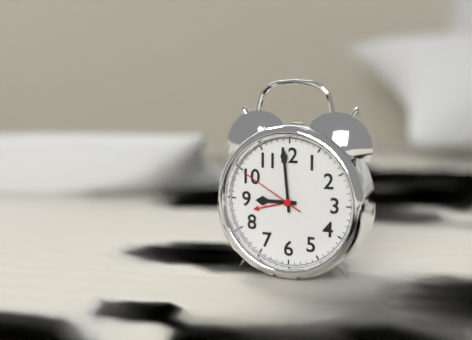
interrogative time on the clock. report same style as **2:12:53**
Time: **8:59:50**
